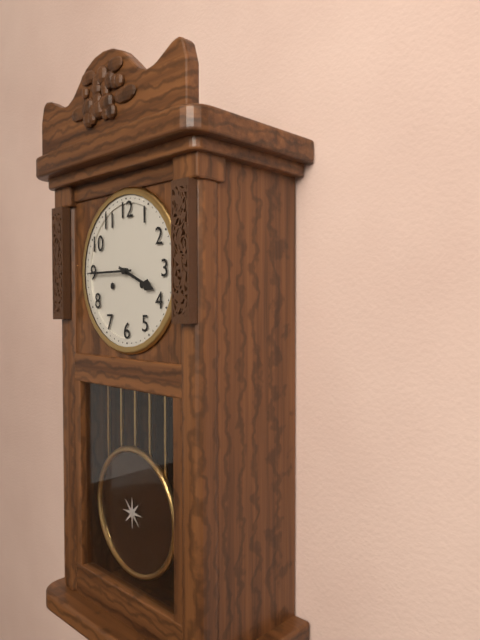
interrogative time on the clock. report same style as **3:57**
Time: **3:45**
